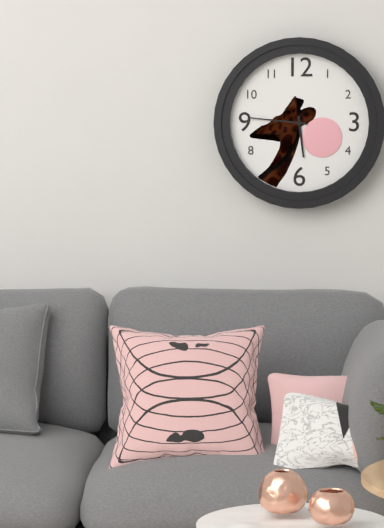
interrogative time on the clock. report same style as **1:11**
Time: **5:46**
